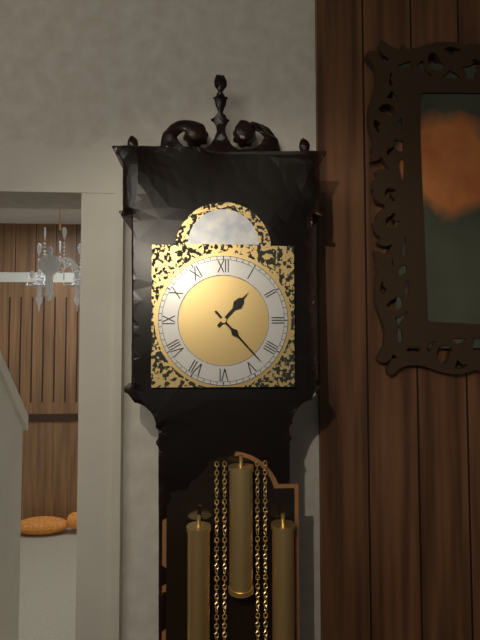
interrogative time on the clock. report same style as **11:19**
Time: **1:23**
